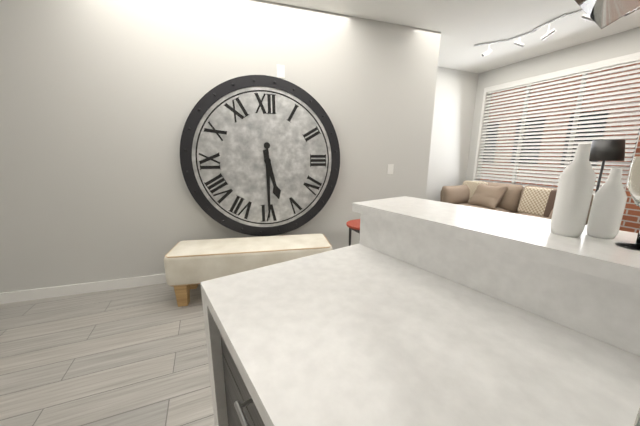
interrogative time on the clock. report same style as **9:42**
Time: **5:30**
